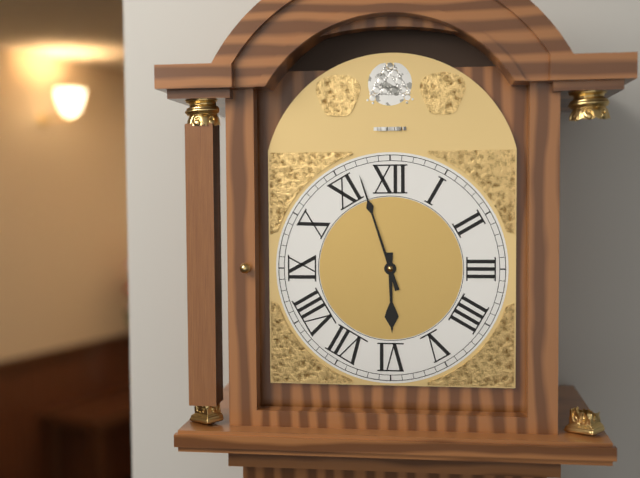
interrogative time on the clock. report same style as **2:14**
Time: **5:57**
